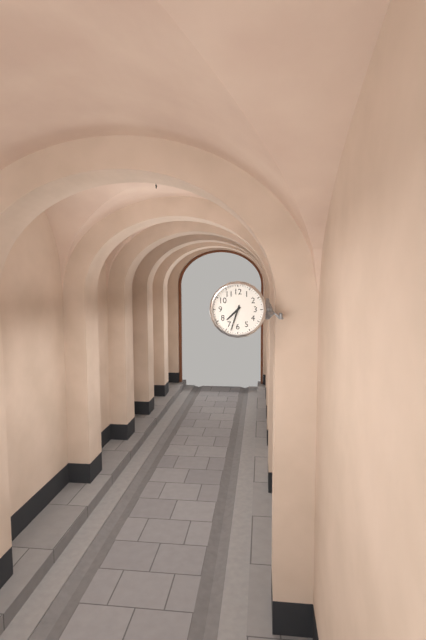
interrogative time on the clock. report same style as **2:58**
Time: **7:33**
